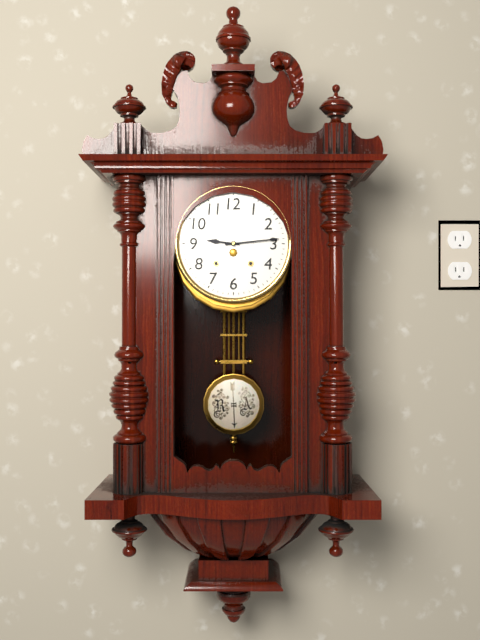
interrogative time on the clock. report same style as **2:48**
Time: **9:14**
